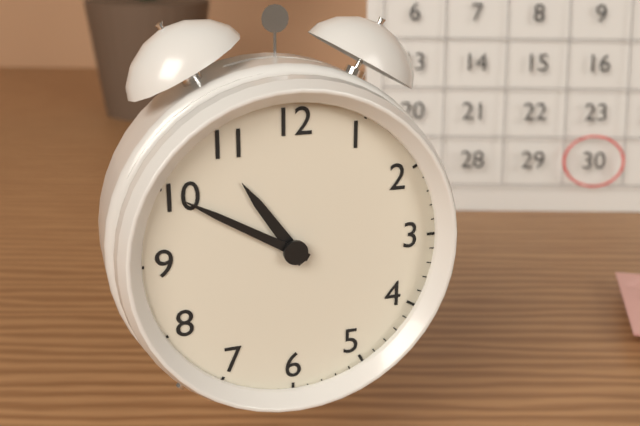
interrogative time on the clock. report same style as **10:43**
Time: **10:50**
